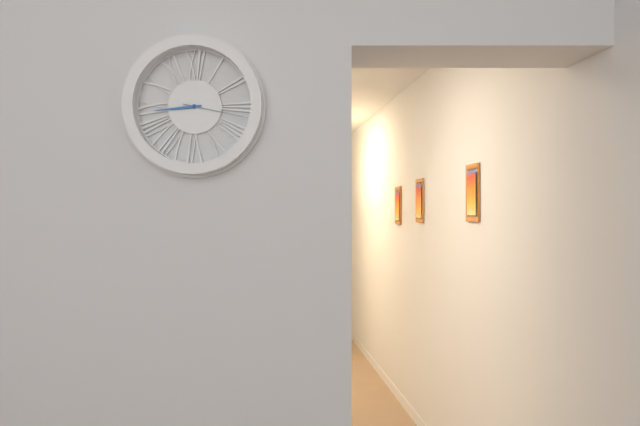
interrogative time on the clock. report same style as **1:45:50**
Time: **8:44:17**
